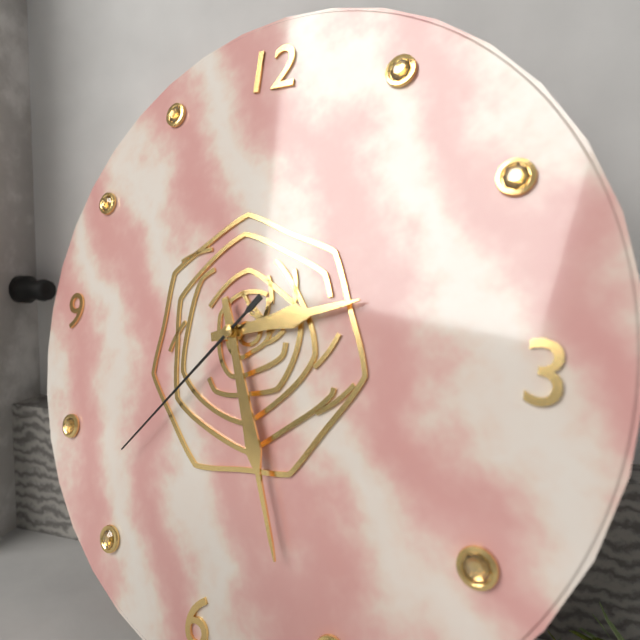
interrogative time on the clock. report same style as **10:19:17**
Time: **2:26:37**
